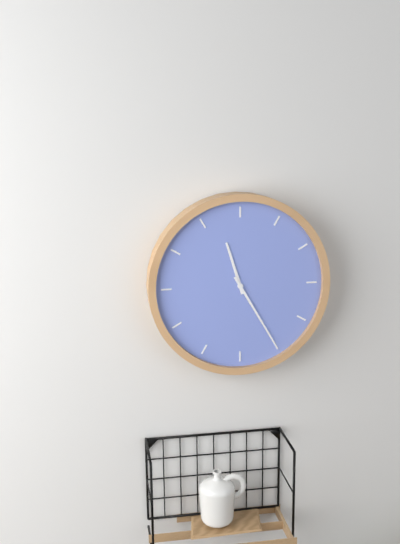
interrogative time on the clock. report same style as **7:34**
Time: **11:25**
